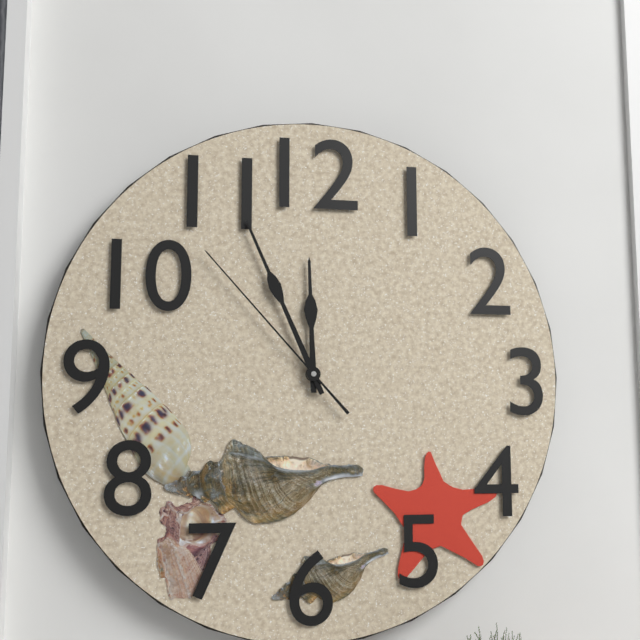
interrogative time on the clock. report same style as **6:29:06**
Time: **11:56:53**
